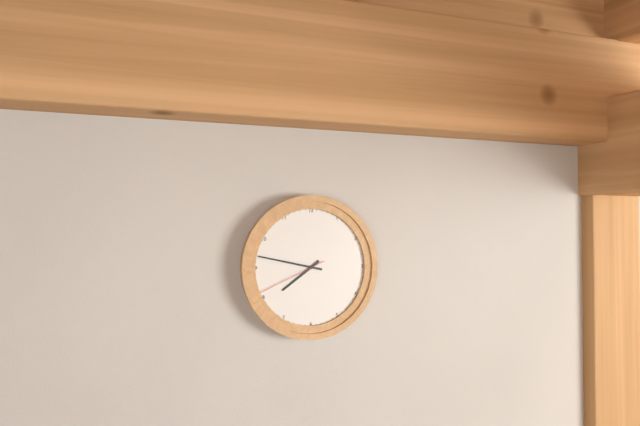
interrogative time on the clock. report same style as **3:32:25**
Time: **7:47:41**
